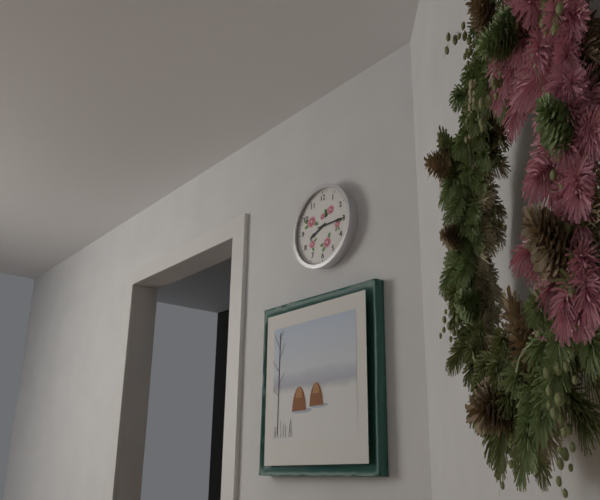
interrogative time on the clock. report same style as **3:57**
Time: **8:15**
